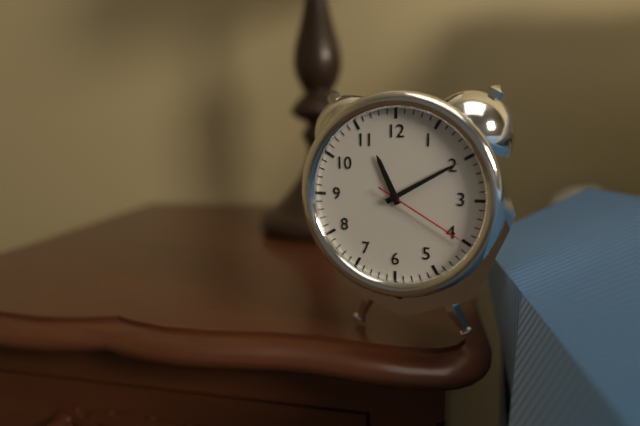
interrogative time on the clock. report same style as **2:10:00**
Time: **11:10:20**
